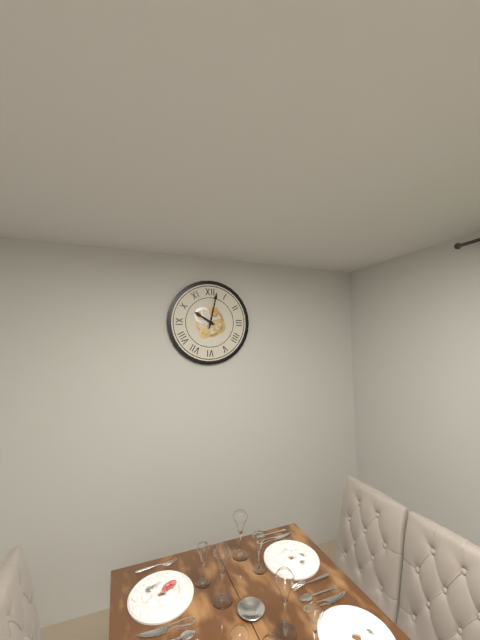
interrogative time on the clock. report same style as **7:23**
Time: **10:02**
